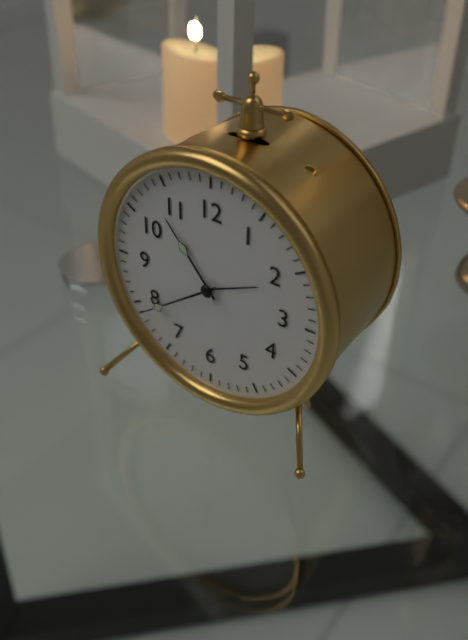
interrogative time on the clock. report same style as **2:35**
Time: **10:39**
